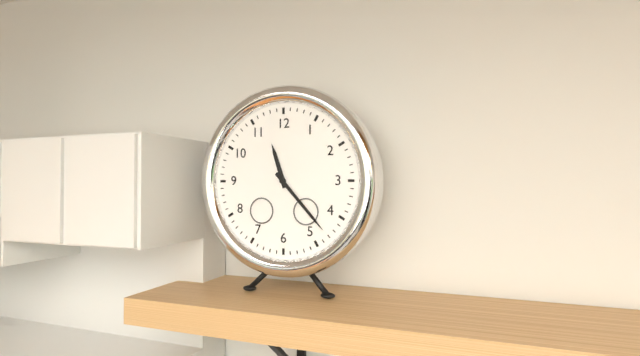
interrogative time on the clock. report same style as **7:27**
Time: **11:23**
